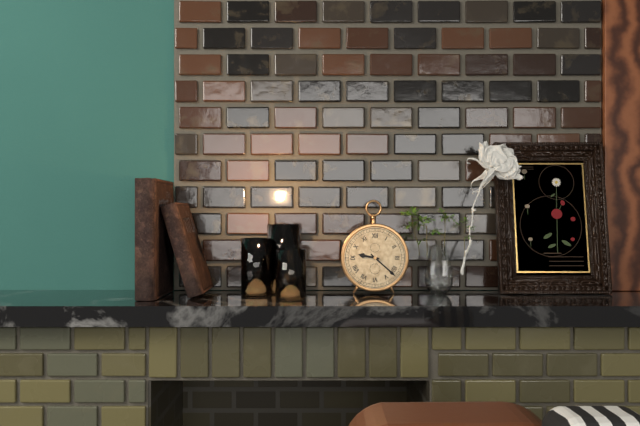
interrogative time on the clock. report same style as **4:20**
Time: **9:22**
